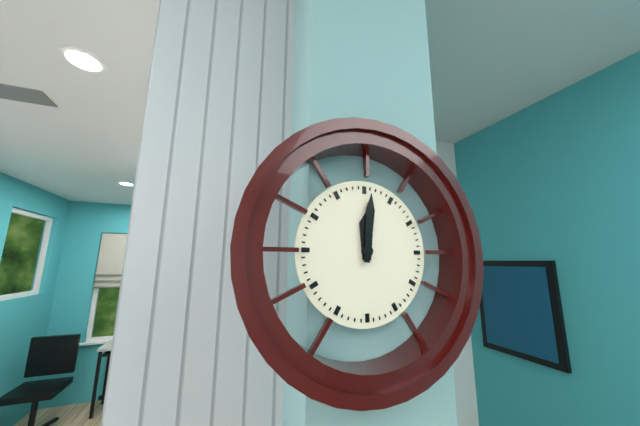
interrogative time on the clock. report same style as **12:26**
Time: **12:01**
